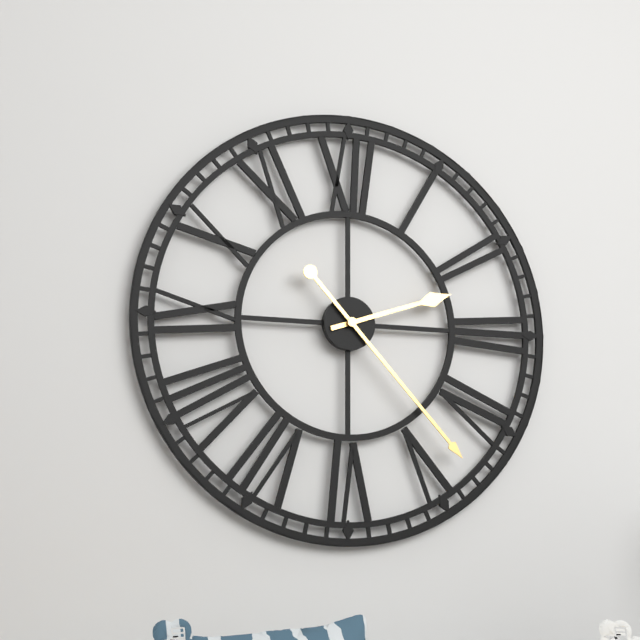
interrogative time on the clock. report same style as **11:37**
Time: **2:23**
